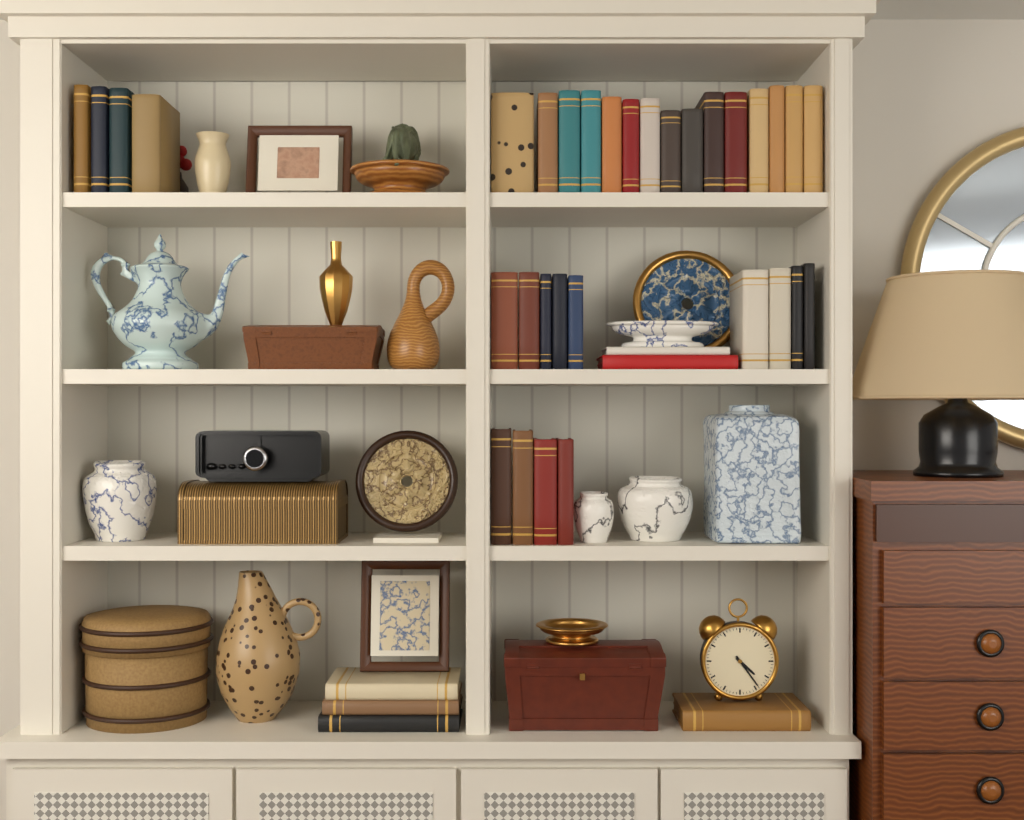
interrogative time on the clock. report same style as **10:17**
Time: **4:24**
